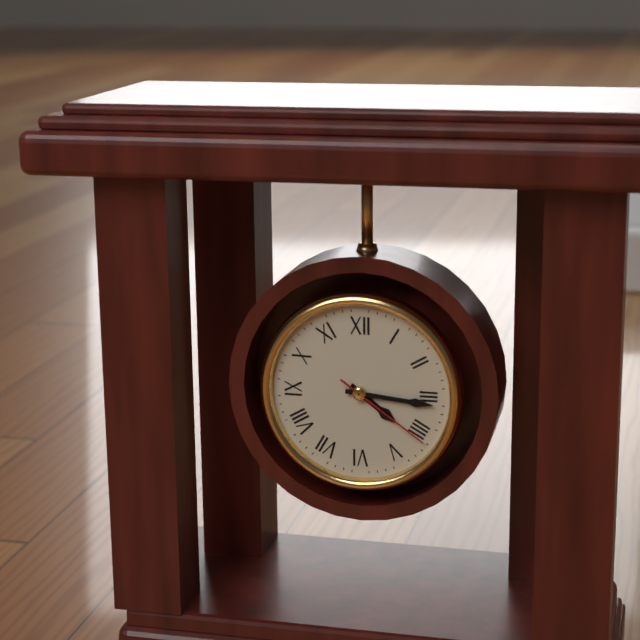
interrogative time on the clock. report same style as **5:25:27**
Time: **4:16:21**
